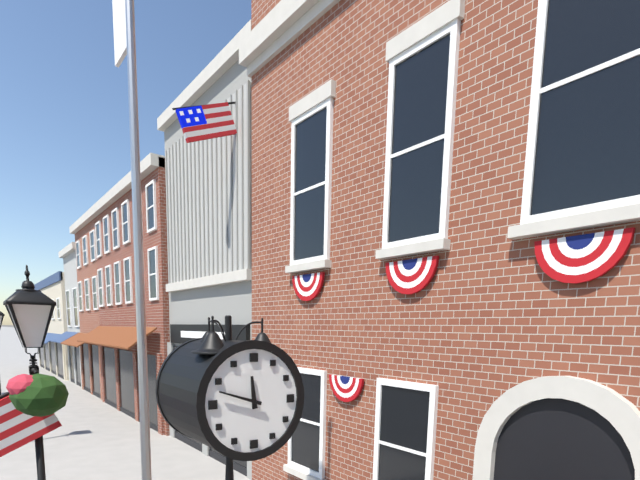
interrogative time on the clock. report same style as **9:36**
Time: **11:48**
